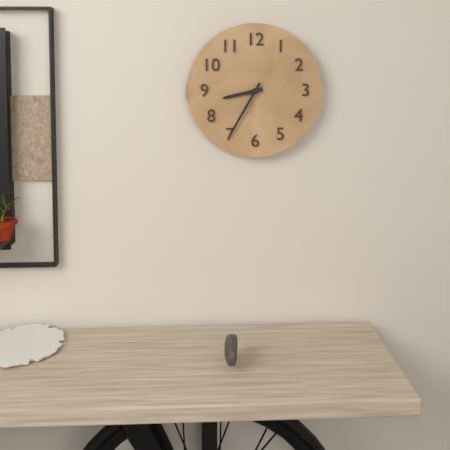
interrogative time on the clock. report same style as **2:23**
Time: **8:35**
